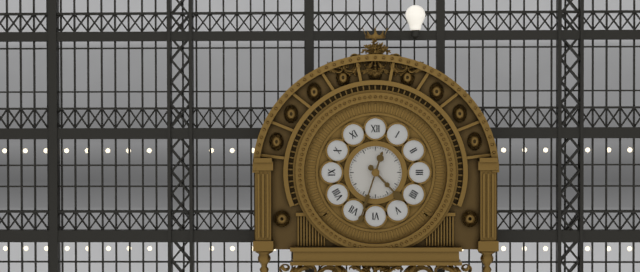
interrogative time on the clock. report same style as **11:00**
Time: **4:33**
